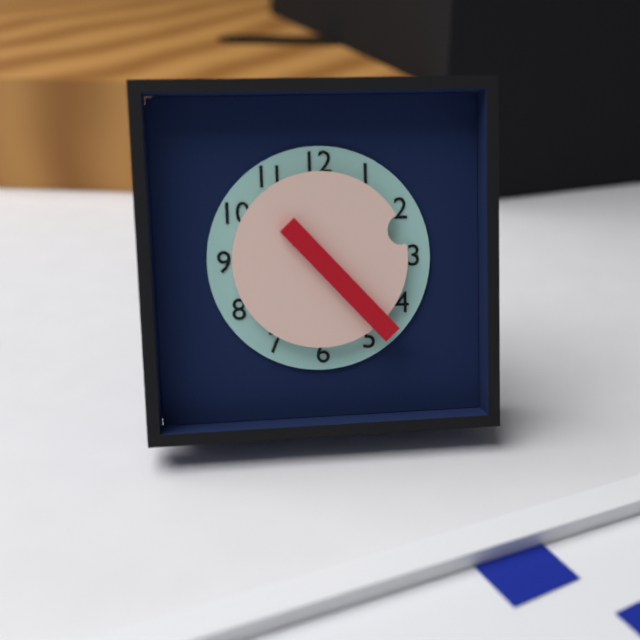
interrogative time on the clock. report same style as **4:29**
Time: **2:23**
